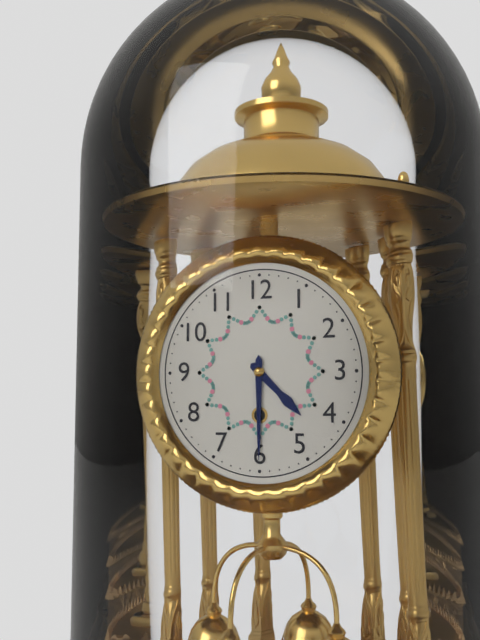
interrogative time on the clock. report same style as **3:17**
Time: **4:30**
